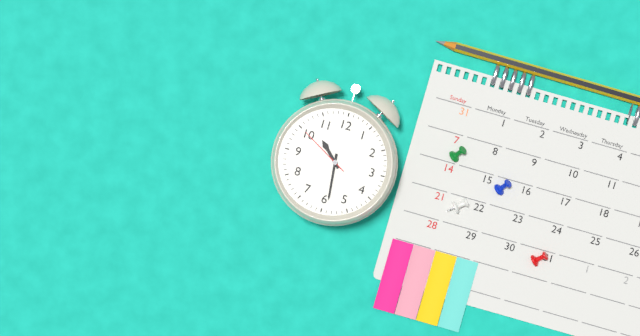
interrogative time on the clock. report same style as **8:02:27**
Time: **10:29:50**
